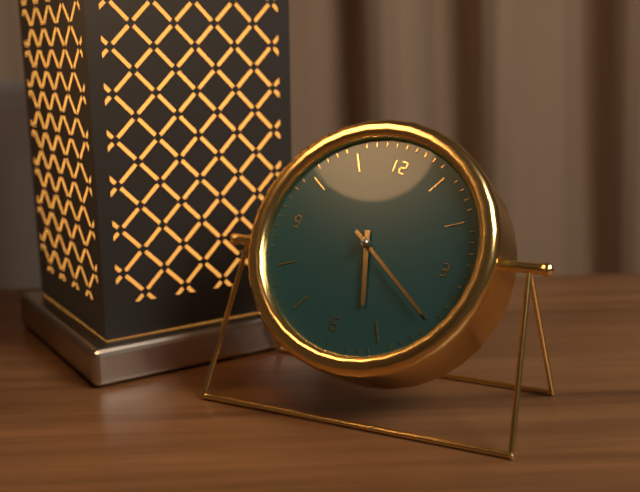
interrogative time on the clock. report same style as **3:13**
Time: **5:20**
